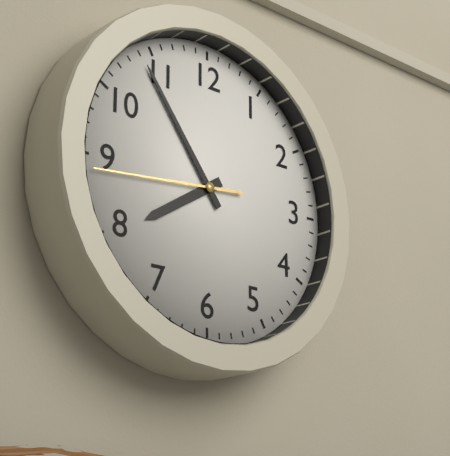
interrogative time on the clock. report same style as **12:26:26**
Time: **7:54:44**
